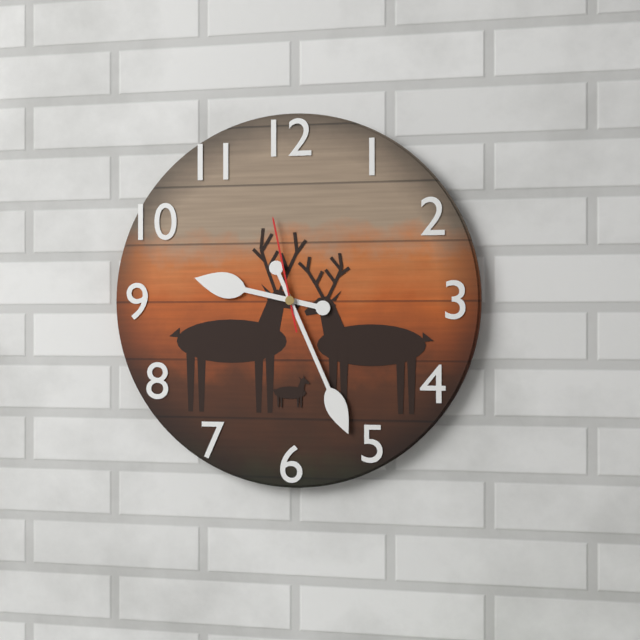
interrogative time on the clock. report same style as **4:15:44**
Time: **9:26:58**
